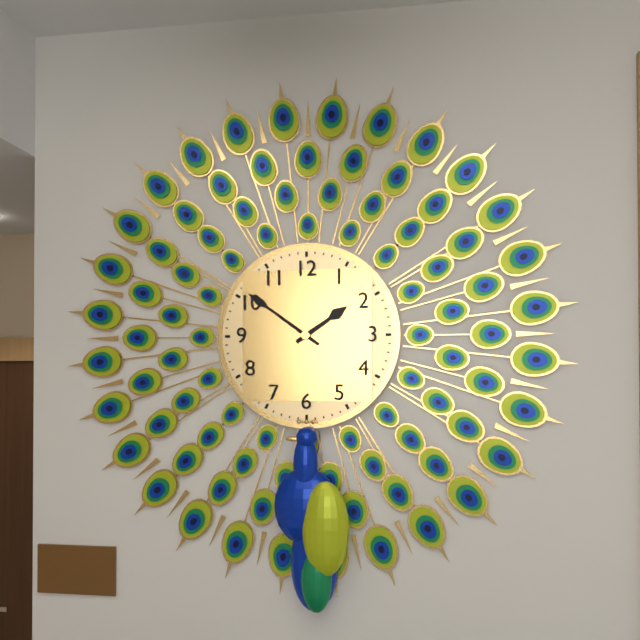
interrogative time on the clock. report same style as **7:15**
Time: **1:51**
